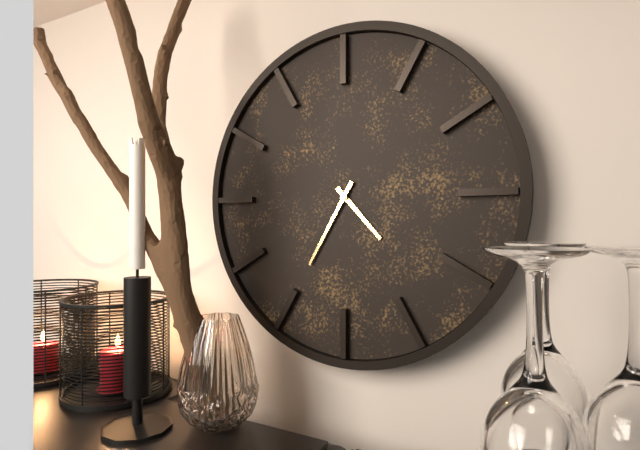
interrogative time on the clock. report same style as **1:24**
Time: **4:35**
